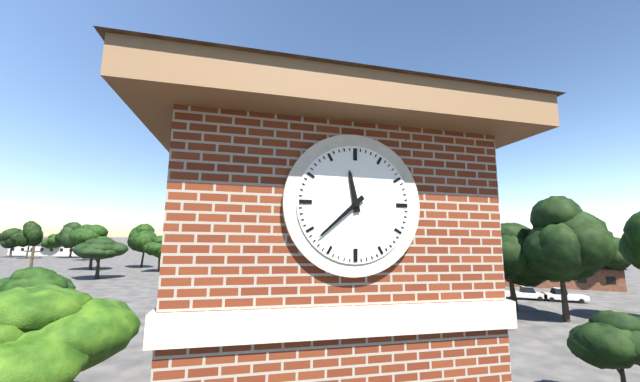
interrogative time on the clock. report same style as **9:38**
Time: **11:38**
